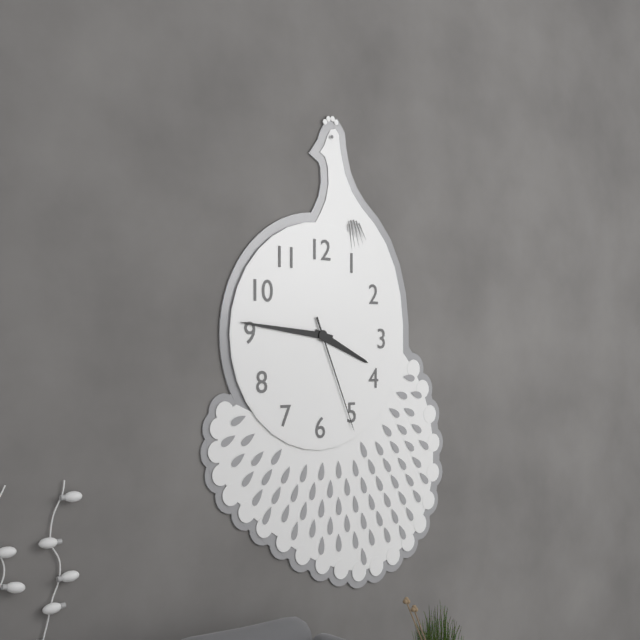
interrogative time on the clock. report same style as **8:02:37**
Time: **3:46:26**
